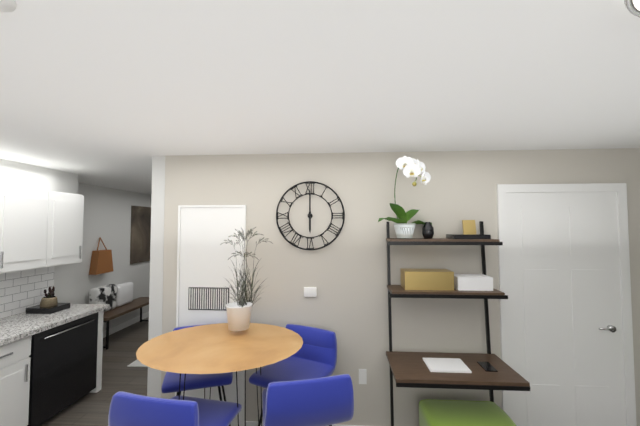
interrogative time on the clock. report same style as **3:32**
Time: **6:00**
